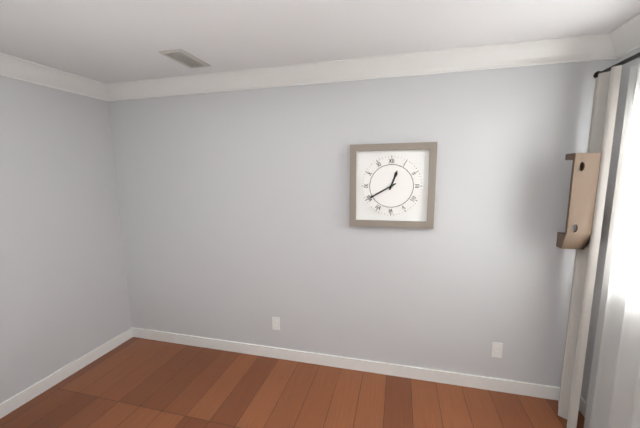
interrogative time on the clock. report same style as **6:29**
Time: **12:40**
